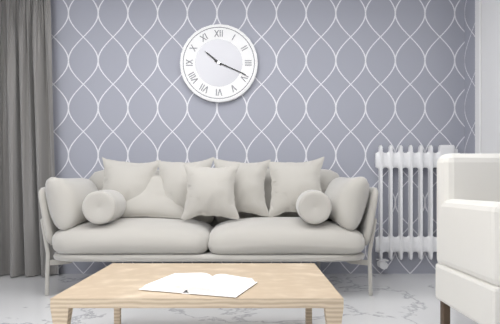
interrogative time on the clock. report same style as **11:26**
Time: **10:19**
